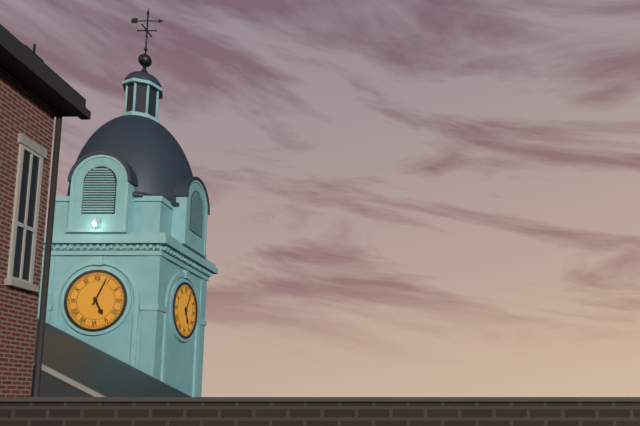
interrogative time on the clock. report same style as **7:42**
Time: **5:04**
